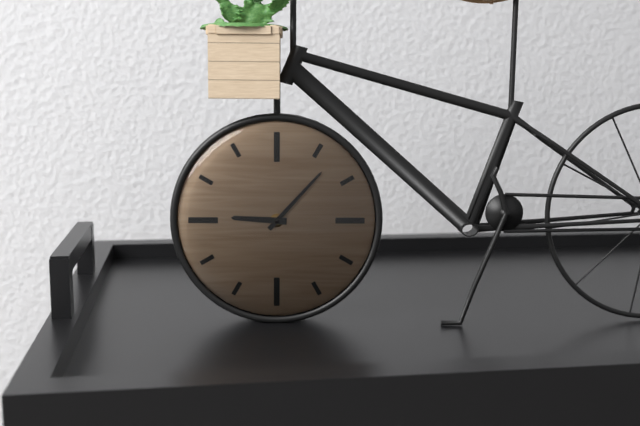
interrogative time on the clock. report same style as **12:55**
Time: **9:07**
